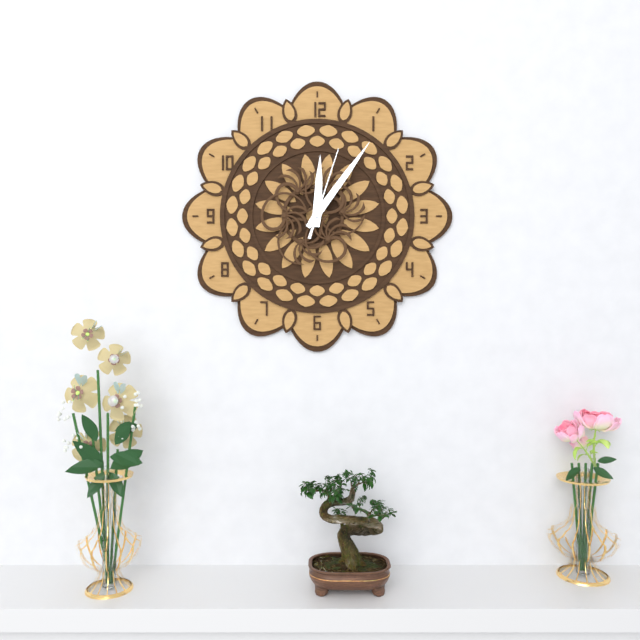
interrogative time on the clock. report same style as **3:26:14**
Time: **12:06:03**
